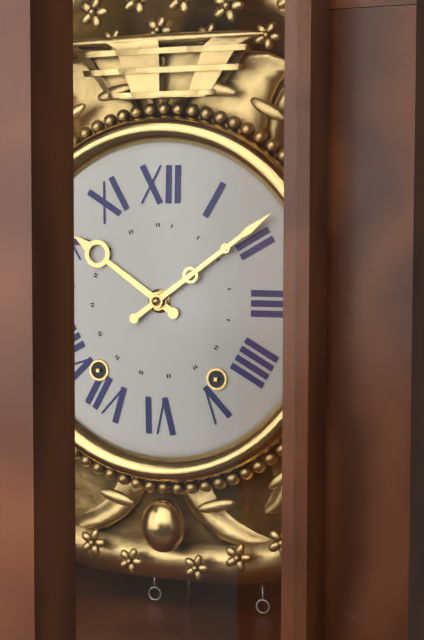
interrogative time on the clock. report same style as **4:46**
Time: **10:09**
